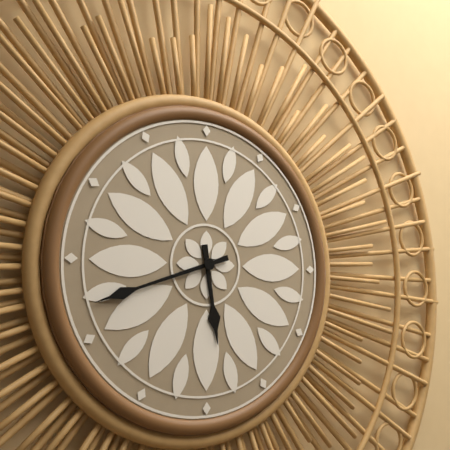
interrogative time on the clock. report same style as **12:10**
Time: **5:42**
